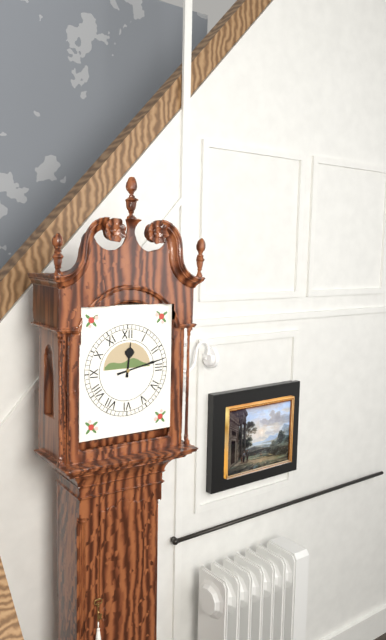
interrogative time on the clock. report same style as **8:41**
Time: **12:13**
